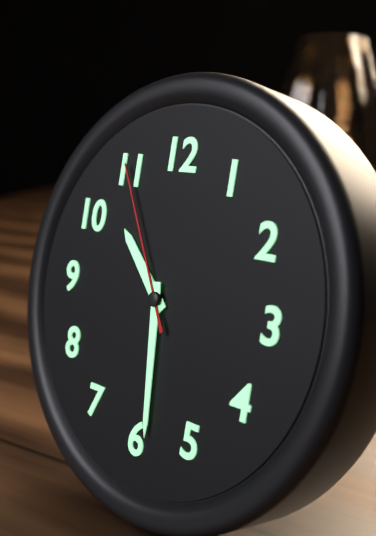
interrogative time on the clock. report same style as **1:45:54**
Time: **10:29:55**
